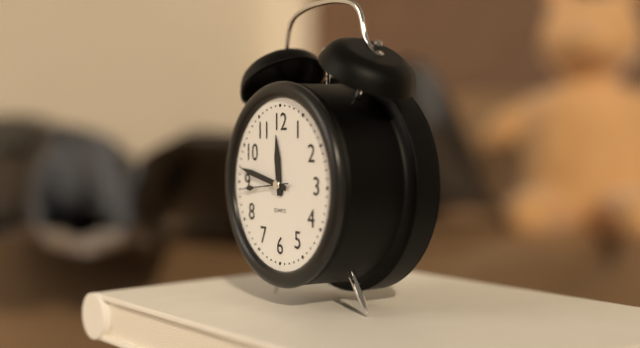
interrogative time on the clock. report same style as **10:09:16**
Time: **11:47:44**
